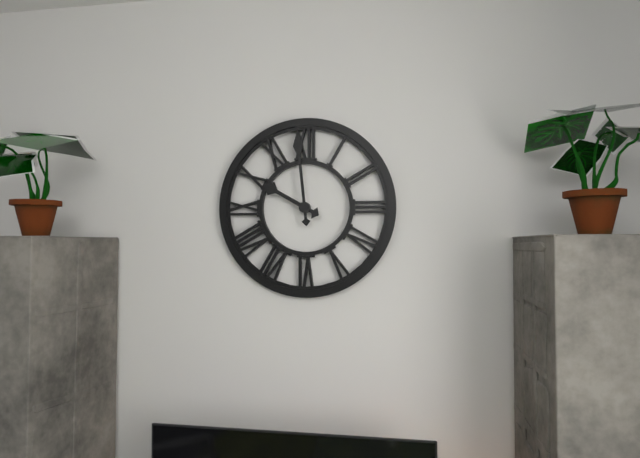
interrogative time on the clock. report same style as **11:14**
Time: **9:59**
